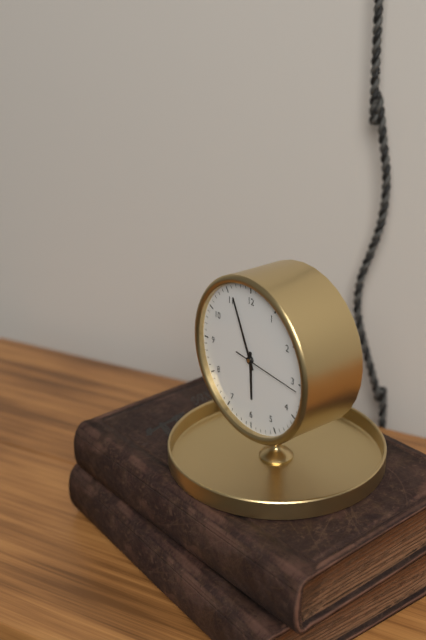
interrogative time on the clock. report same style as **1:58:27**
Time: **5:56:16**
